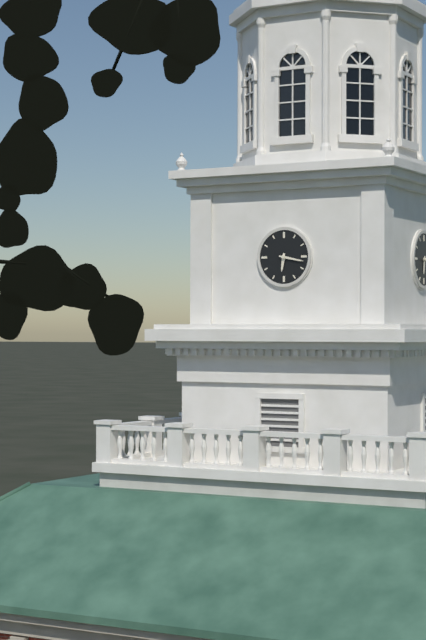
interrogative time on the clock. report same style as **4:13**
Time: **6:17**
